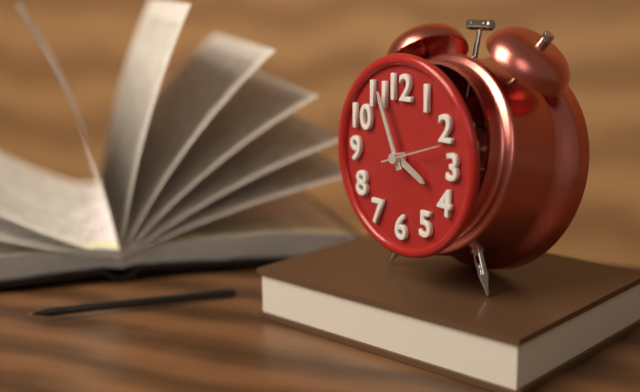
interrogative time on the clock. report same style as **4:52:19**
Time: **3:56:12**
